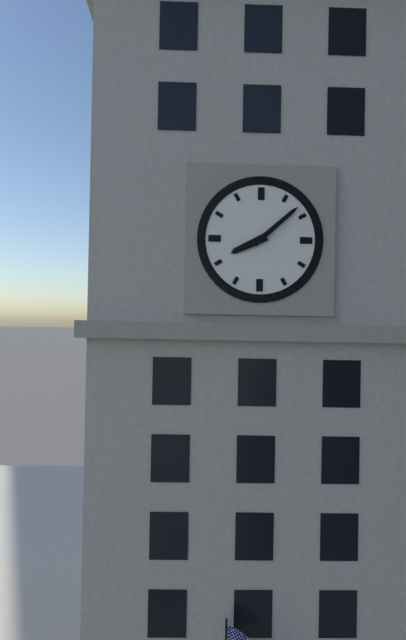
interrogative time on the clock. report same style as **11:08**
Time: **8:08**
